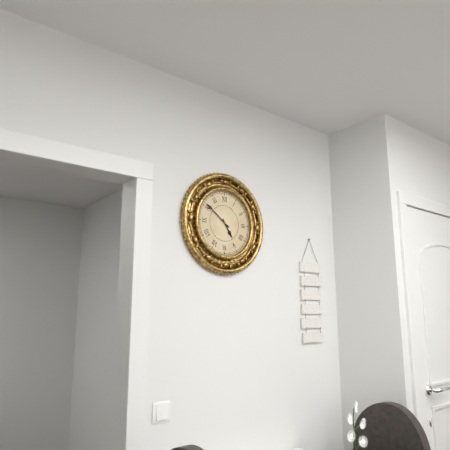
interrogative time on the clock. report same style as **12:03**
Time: **4:51**
